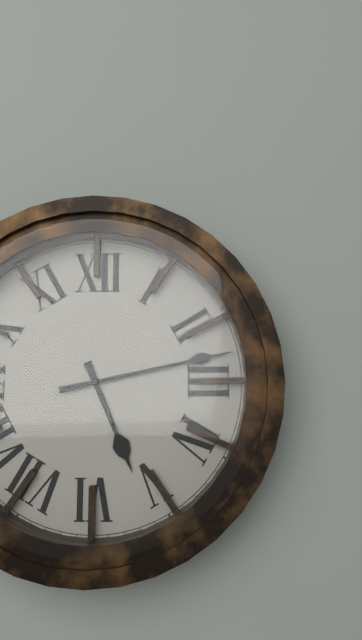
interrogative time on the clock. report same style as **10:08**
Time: **5:13**
